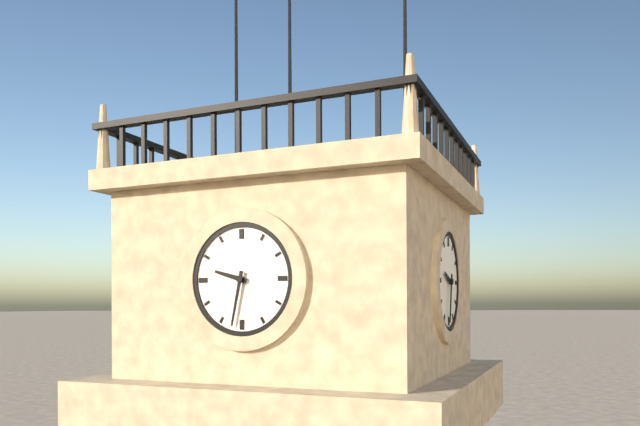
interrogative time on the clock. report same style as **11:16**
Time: **9:32**
